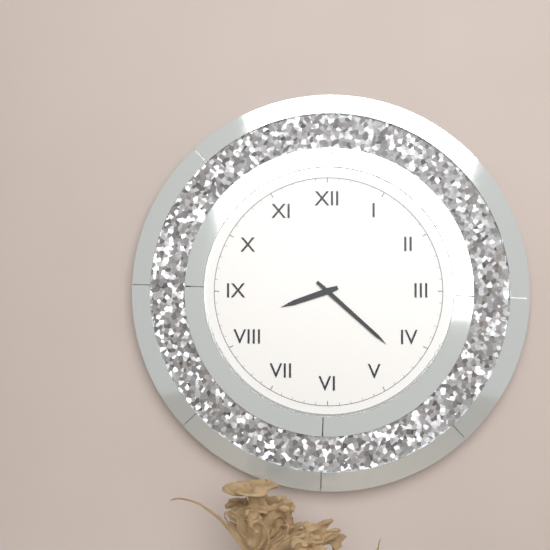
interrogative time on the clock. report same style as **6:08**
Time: **8:22**
